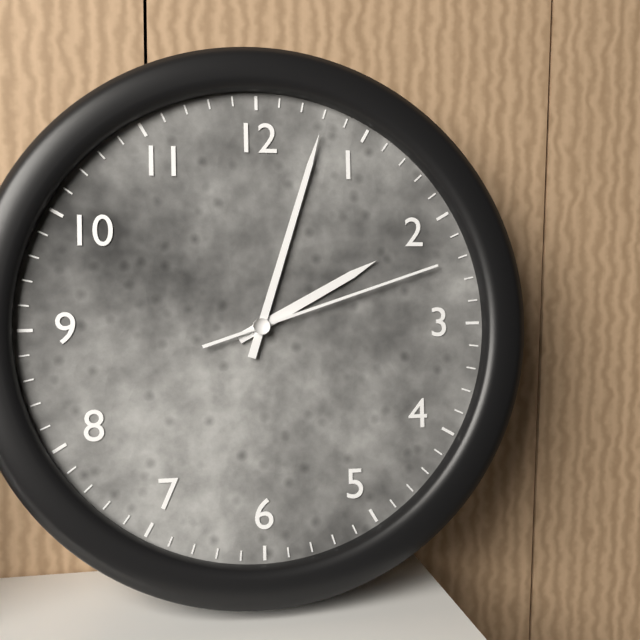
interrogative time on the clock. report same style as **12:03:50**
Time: **2:03:12**
